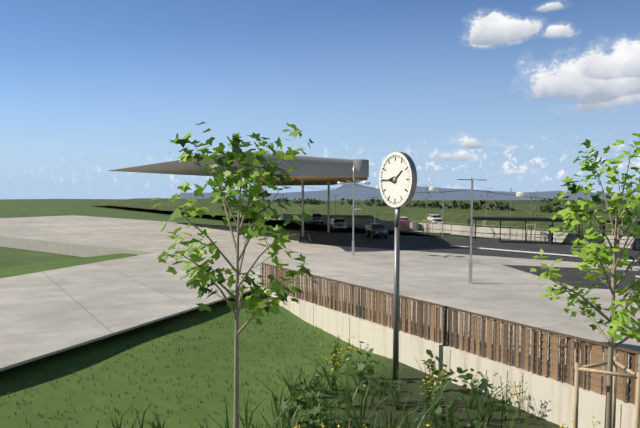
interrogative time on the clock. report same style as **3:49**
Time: **1:45**
